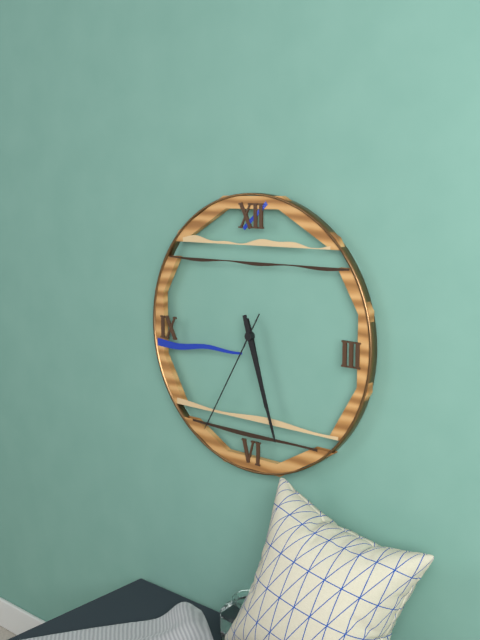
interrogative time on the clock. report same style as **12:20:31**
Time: **5:27:35**
